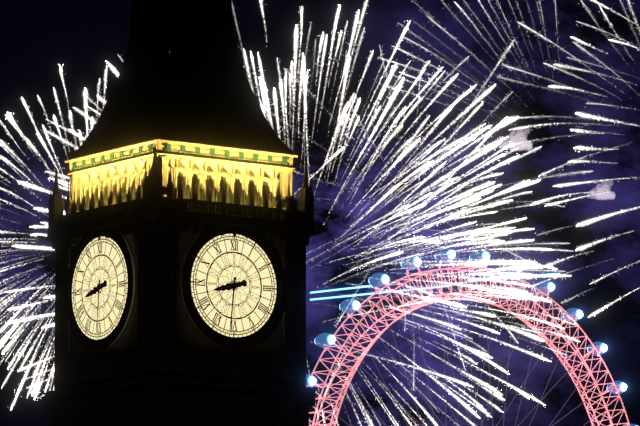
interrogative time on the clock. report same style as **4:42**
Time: **8:31**
